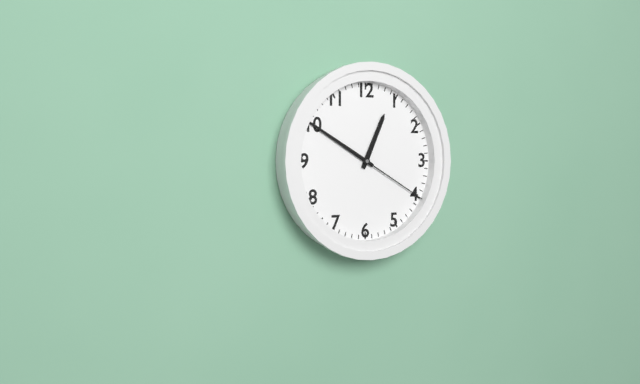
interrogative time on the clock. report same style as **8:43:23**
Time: **12:50:20**
